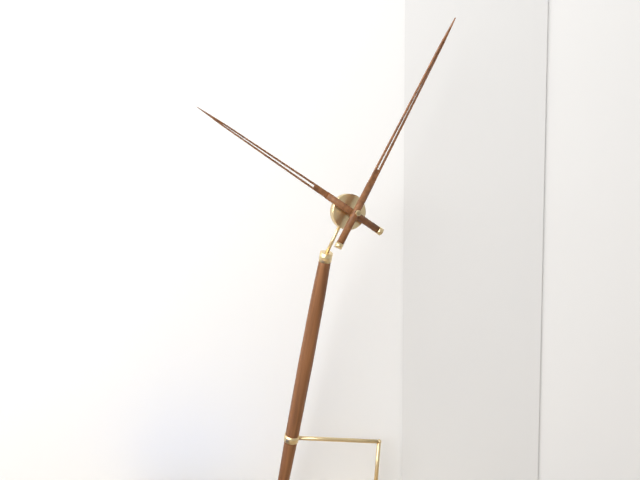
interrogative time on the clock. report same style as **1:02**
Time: **10:05**
